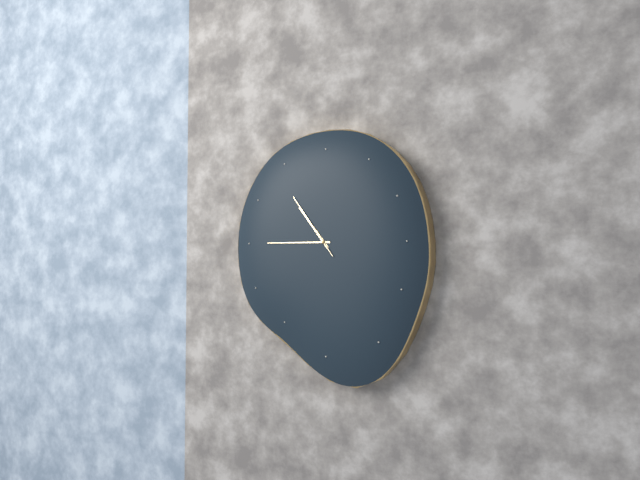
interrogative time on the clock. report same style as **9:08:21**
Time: **10:45:54**
